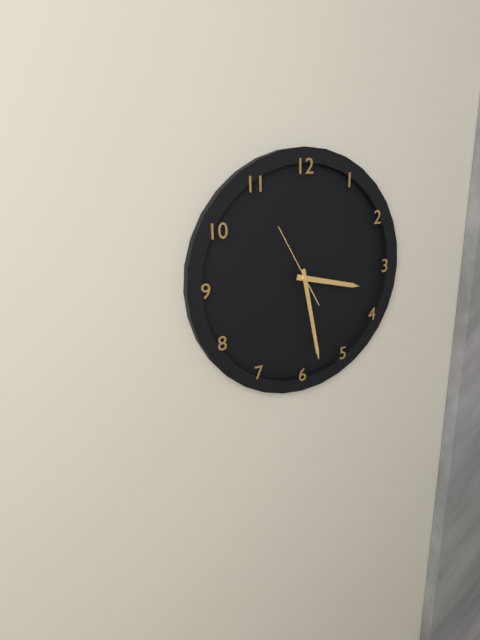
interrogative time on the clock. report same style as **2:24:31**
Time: **3:28:55**
